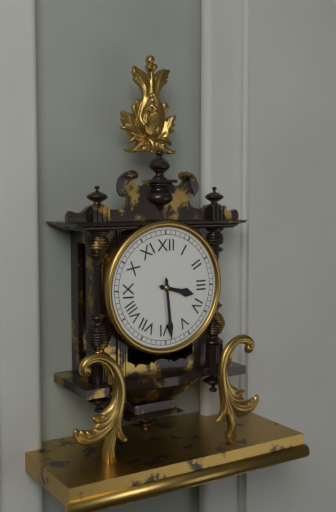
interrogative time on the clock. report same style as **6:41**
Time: **3:29**
